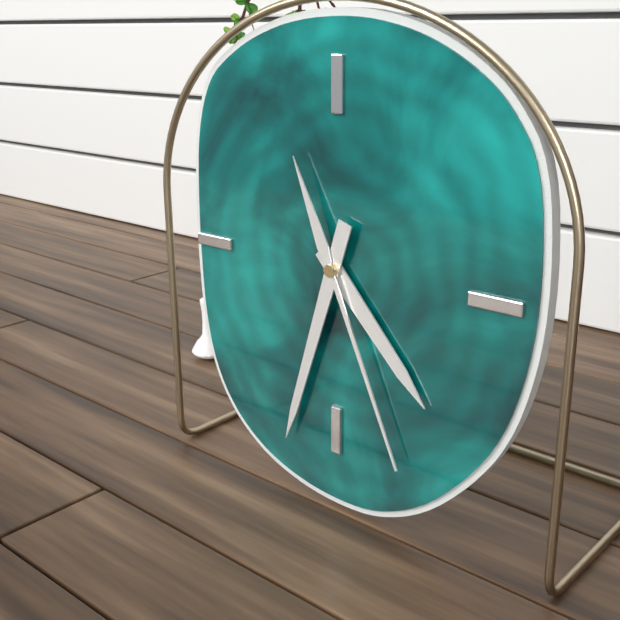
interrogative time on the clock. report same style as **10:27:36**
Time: **4:33:26**
